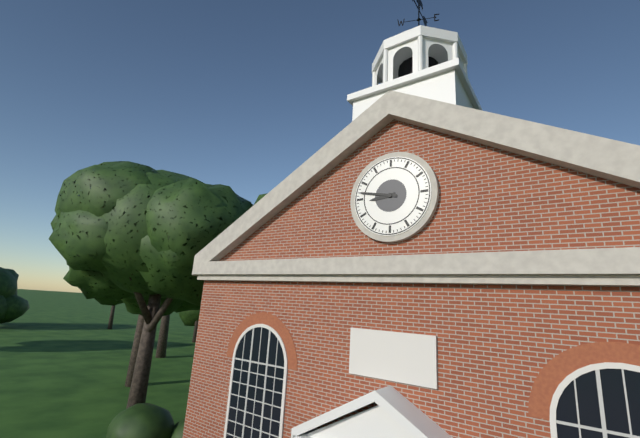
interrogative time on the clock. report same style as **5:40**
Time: **8:47**
